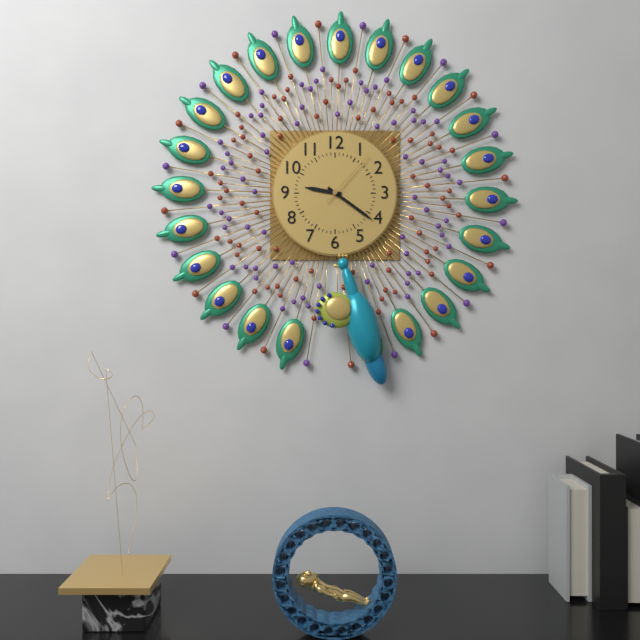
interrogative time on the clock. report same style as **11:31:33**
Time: **9:21:07**
